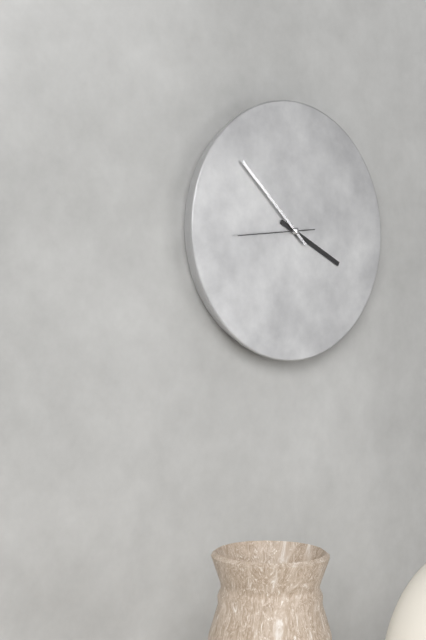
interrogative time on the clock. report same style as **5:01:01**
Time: **3:52:44**
